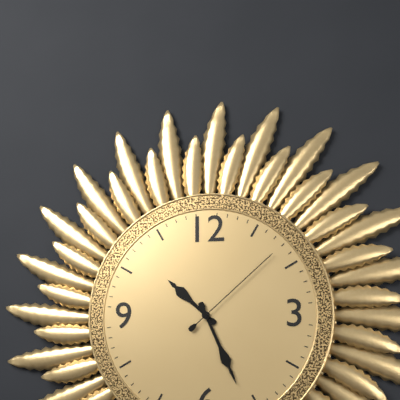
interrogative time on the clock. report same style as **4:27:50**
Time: **10:26:08**
